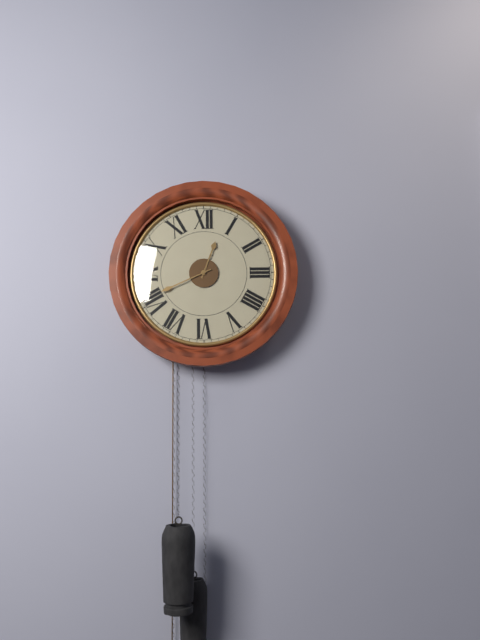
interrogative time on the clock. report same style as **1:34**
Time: **12:41**
